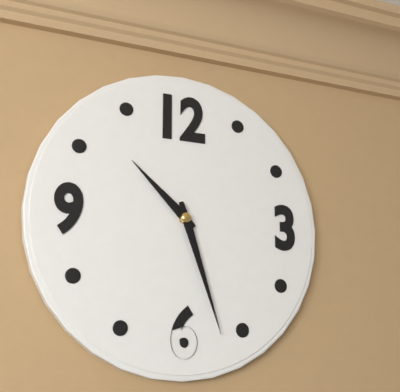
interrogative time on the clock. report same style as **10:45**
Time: **10:27**
